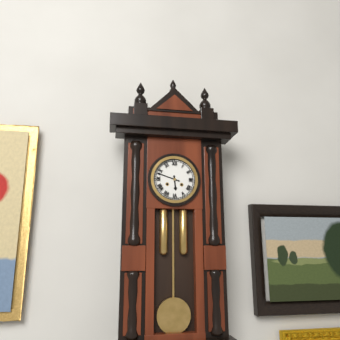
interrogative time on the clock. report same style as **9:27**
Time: **5:48**
